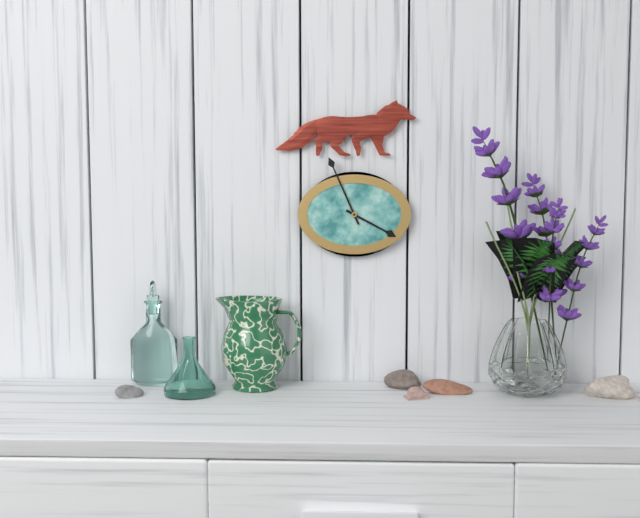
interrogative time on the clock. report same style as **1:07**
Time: **3:56**
